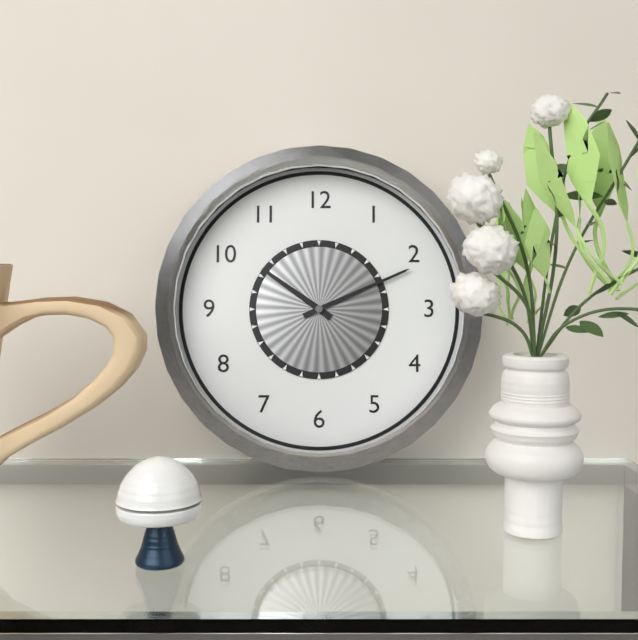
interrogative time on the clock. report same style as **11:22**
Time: **10:11**
